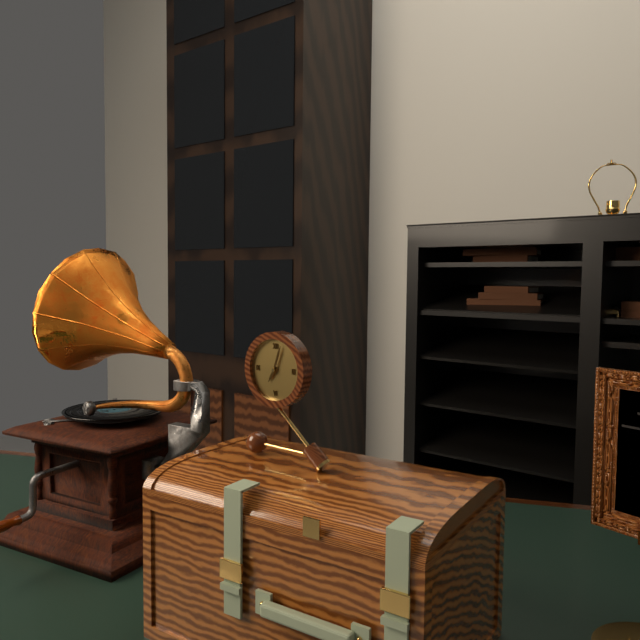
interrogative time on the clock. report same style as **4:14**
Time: **7:03**
